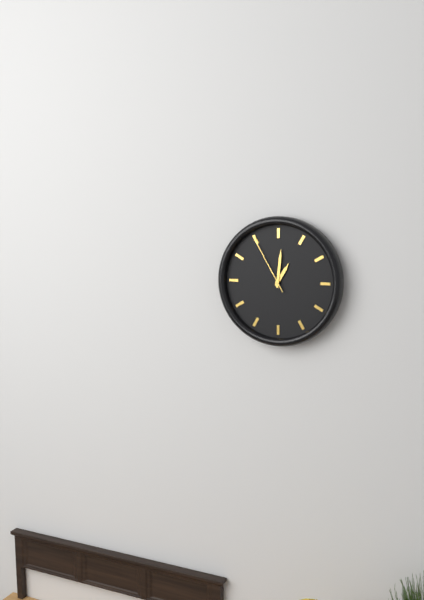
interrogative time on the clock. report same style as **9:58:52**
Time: **1:01:55**
